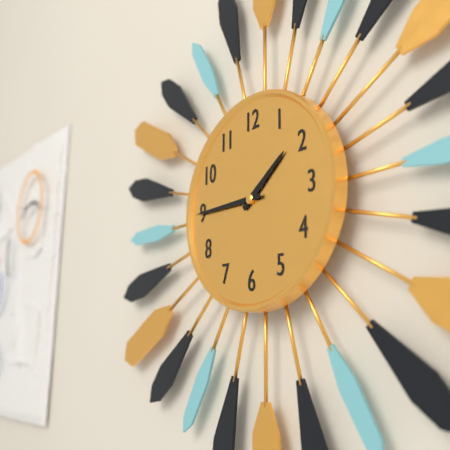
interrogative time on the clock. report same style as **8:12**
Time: **1:45**
